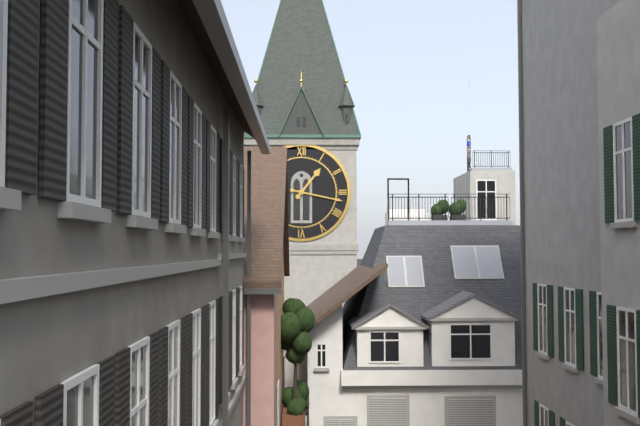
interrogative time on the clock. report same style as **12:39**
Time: **1:17**
